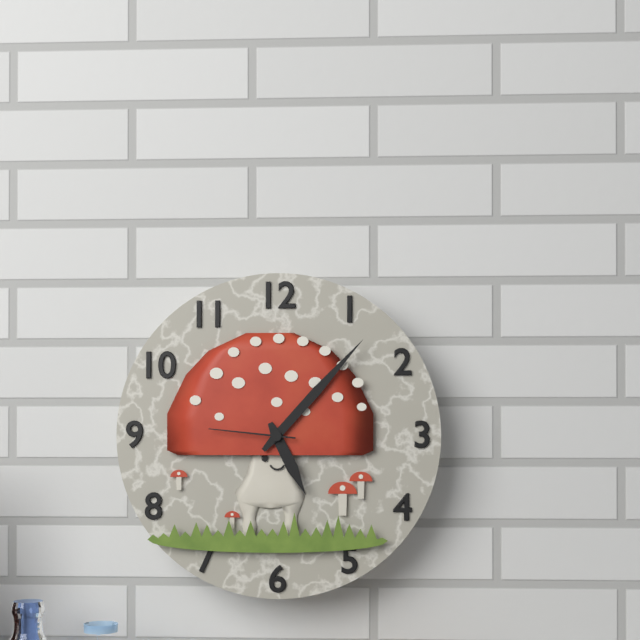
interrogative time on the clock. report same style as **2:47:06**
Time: **5:07:46**
